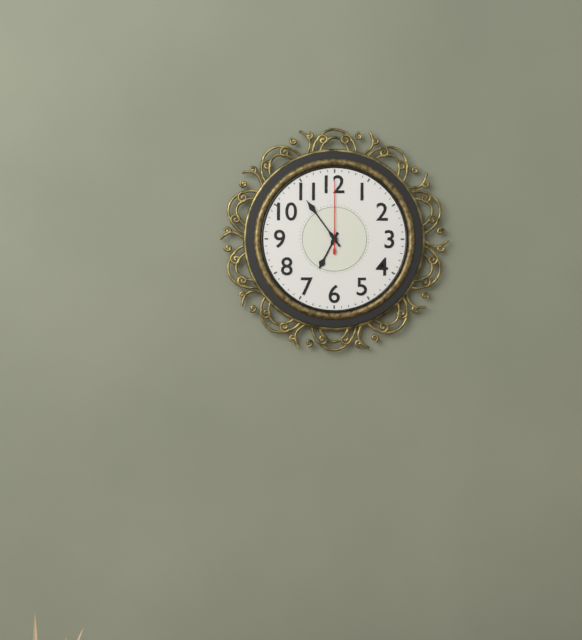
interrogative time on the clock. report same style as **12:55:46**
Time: **6:54:00**
